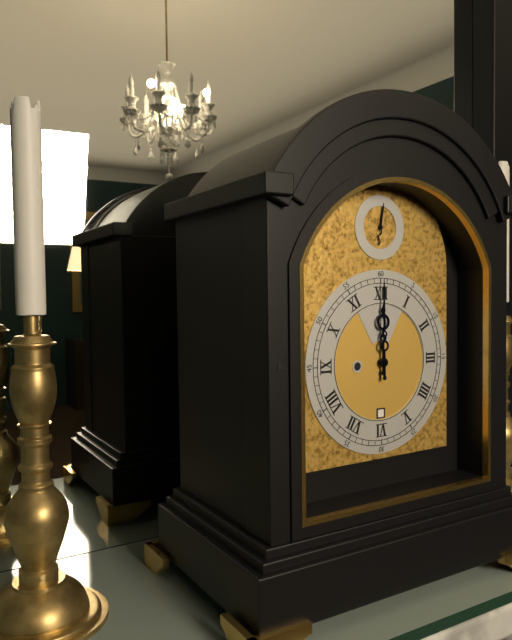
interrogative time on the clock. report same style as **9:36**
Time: **12:00**
